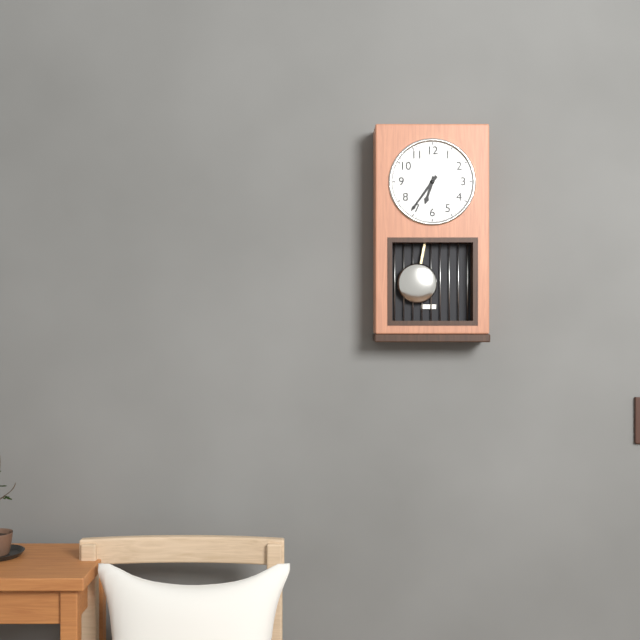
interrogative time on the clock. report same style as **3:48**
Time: **6:36**
